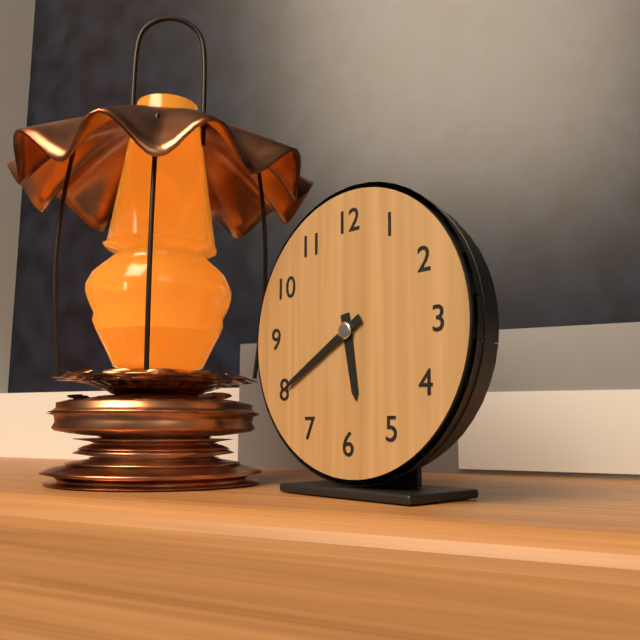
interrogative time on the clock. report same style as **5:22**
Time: **5:40**
